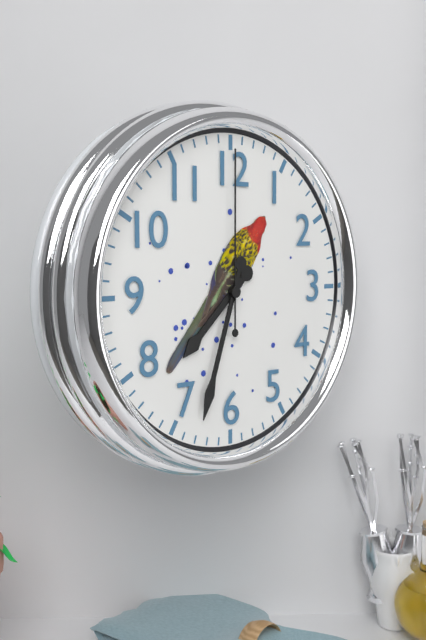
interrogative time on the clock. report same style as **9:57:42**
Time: **7:33:00**
